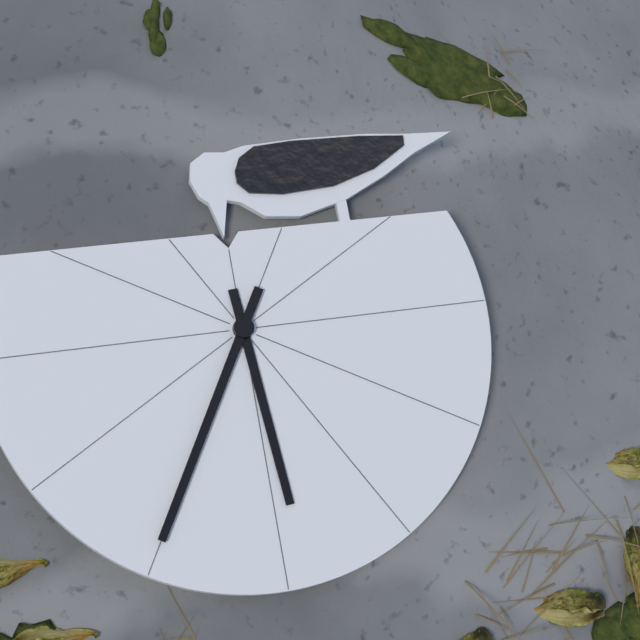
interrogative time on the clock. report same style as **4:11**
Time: **8:50**
